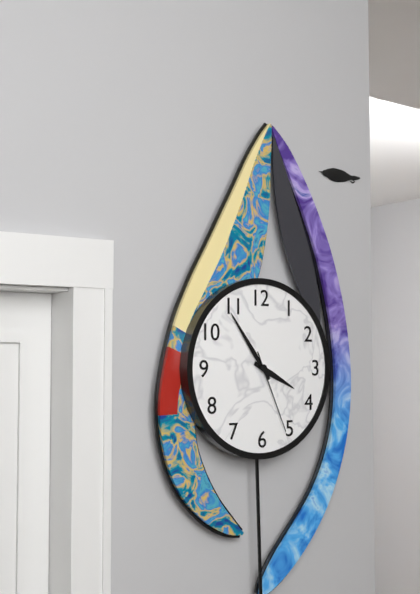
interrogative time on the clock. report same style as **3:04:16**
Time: **3:54:26**
